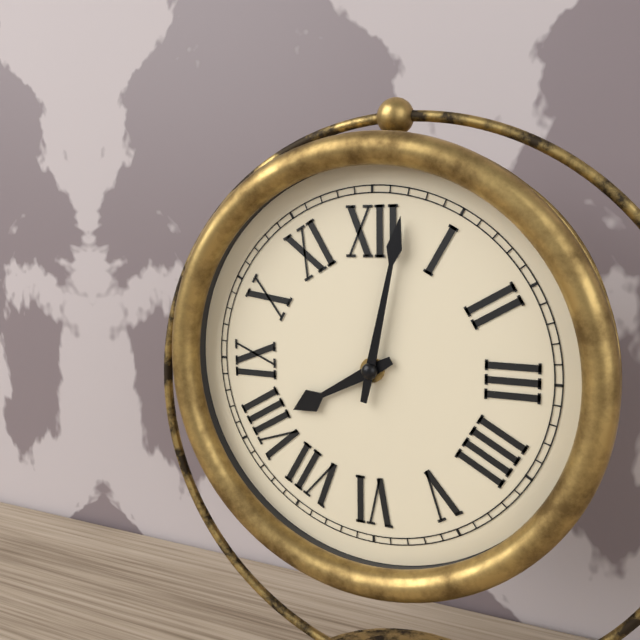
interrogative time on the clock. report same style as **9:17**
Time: **8:02**
